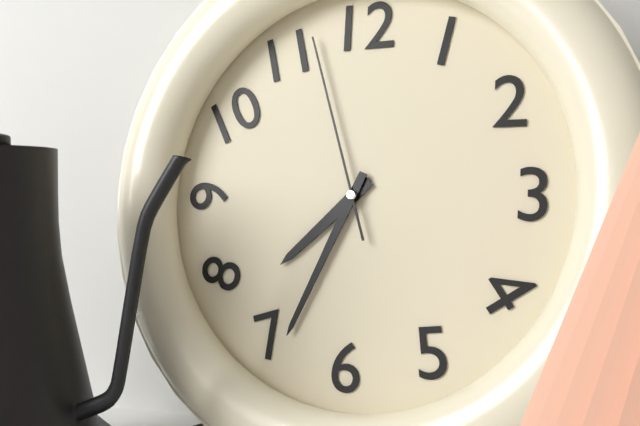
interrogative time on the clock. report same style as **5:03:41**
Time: **7:34:57**
